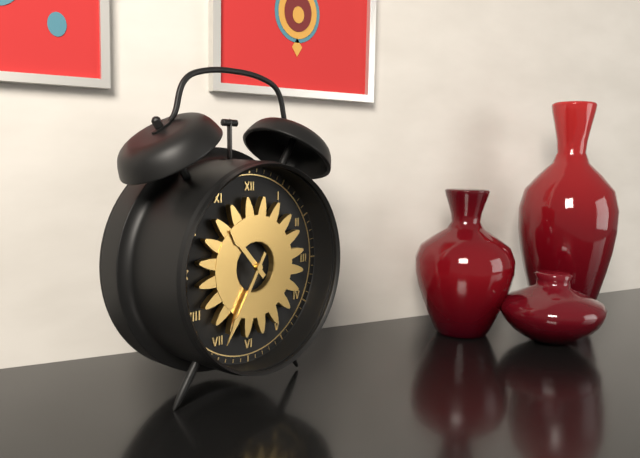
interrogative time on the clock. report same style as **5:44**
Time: **10:35**
